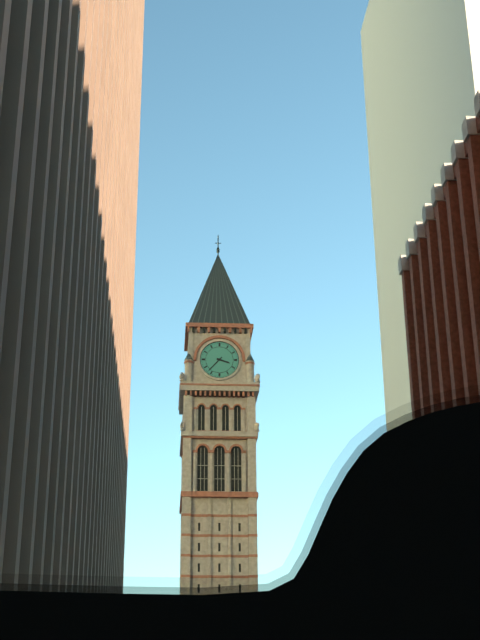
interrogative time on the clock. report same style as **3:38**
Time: **3:37**
